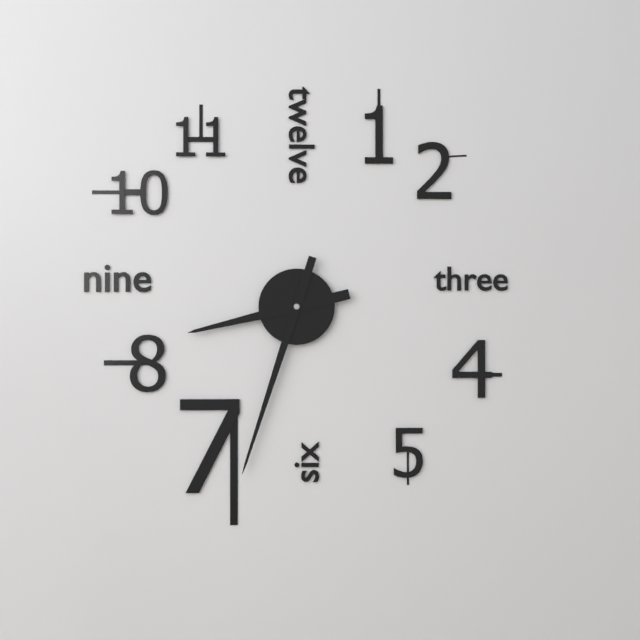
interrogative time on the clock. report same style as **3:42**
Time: **8:33**
